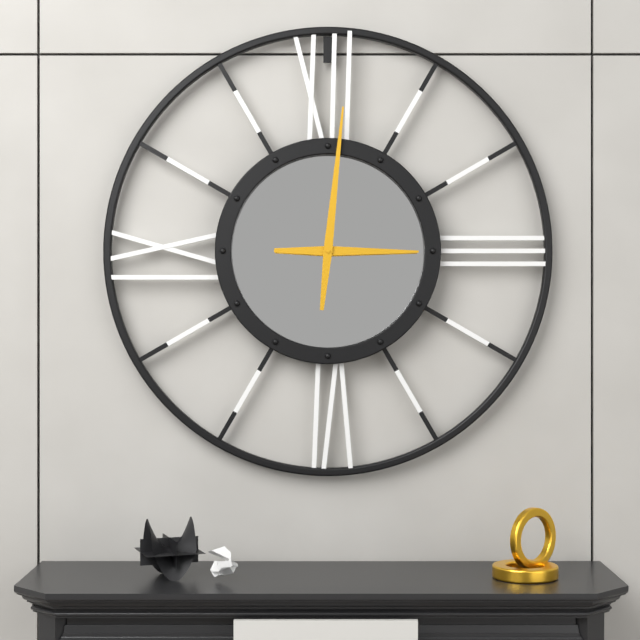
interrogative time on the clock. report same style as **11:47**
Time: **3:01**
